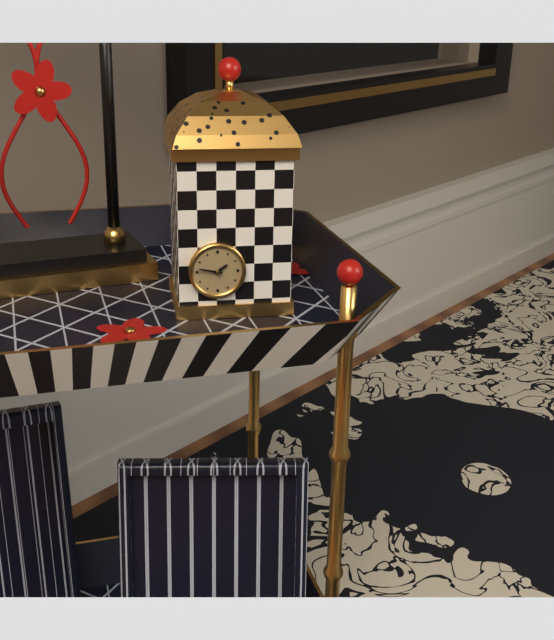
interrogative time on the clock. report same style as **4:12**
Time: **1:47**
